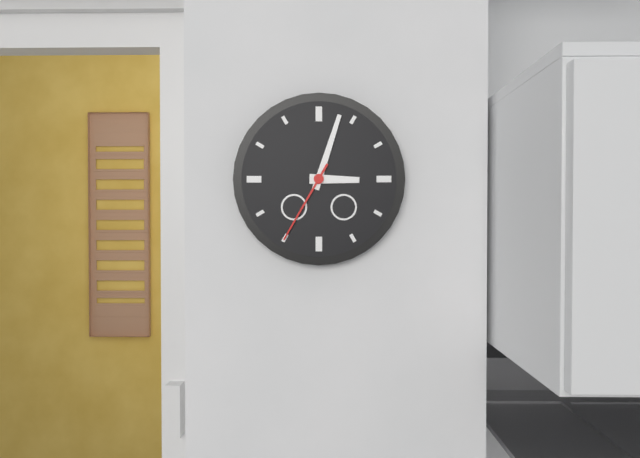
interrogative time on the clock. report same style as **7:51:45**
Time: **3:03:35**
